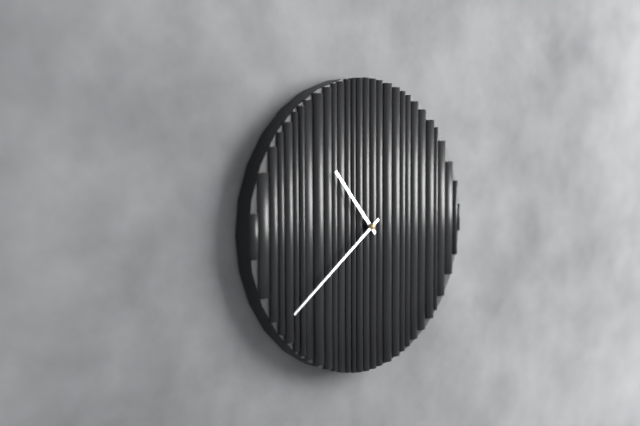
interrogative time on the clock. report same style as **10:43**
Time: **10:39**
